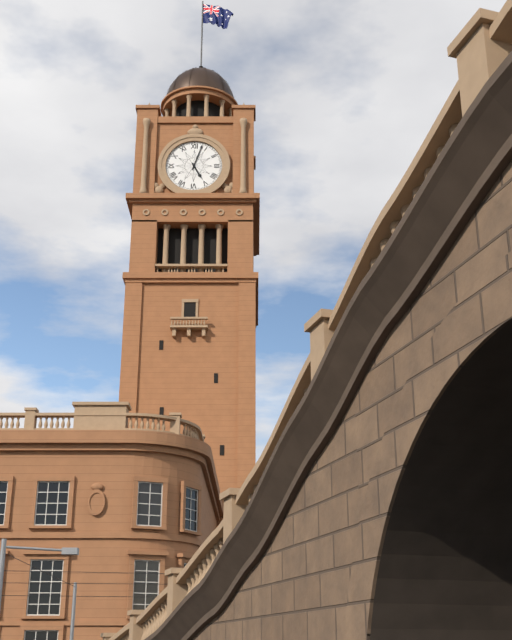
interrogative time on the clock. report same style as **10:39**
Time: **5:03**
